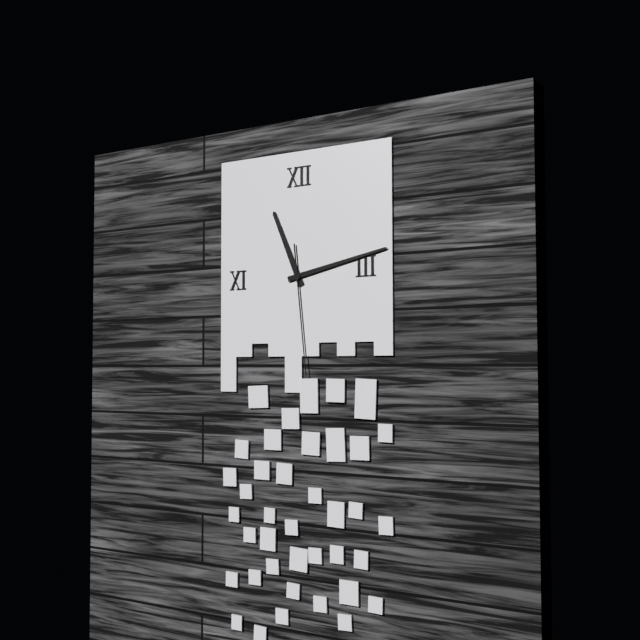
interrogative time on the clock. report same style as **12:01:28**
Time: **11:13:29**
